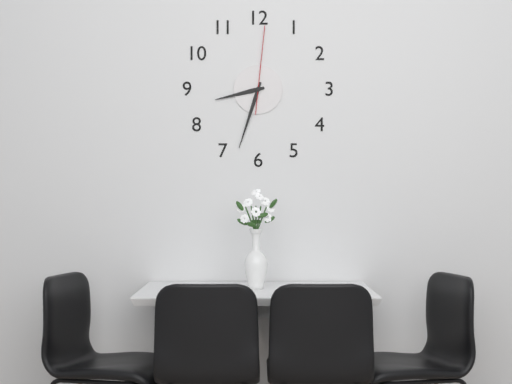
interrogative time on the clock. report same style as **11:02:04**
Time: **8:33:01**
